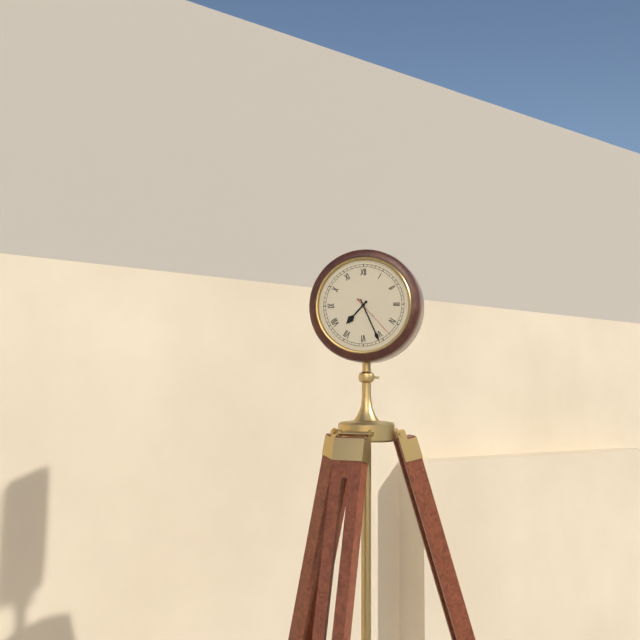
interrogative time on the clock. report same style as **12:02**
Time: **7:26**
